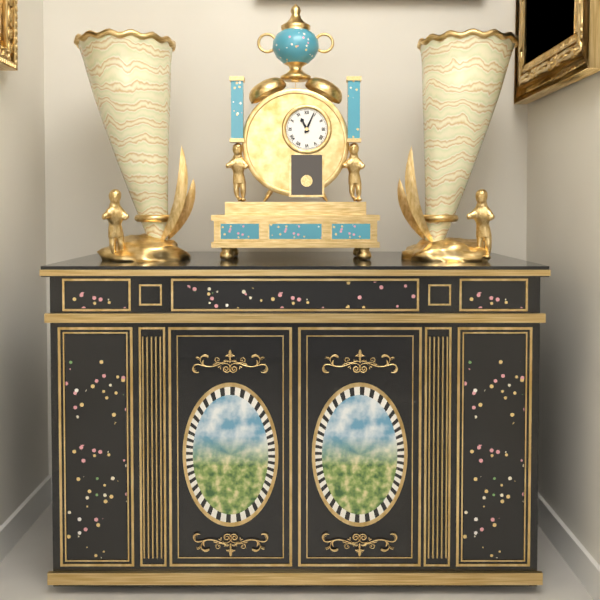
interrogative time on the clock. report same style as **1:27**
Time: **11:04**
